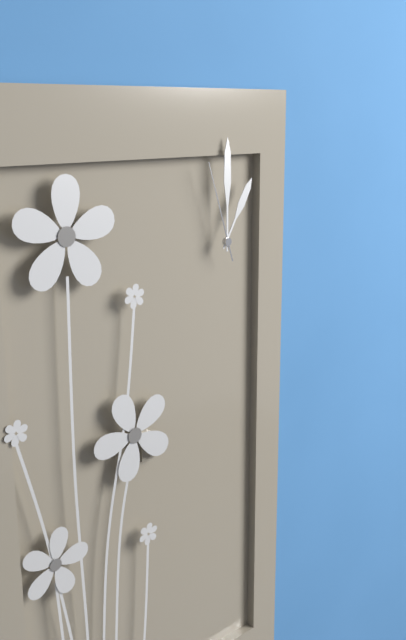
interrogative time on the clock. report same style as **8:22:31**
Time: **1:00:57**
